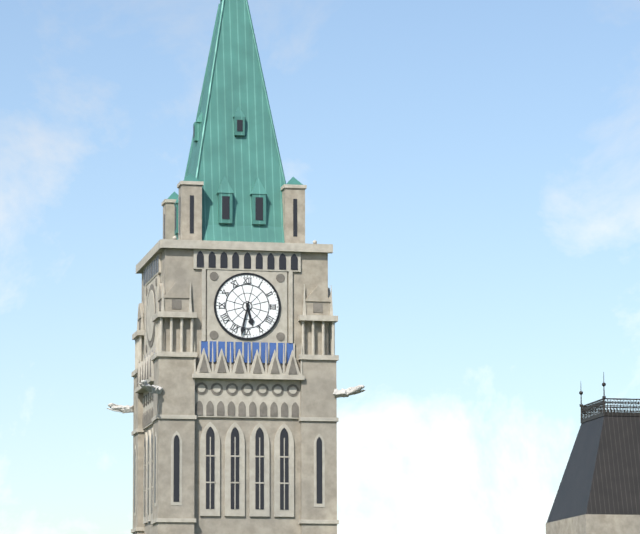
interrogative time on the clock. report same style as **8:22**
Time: **5:32**
